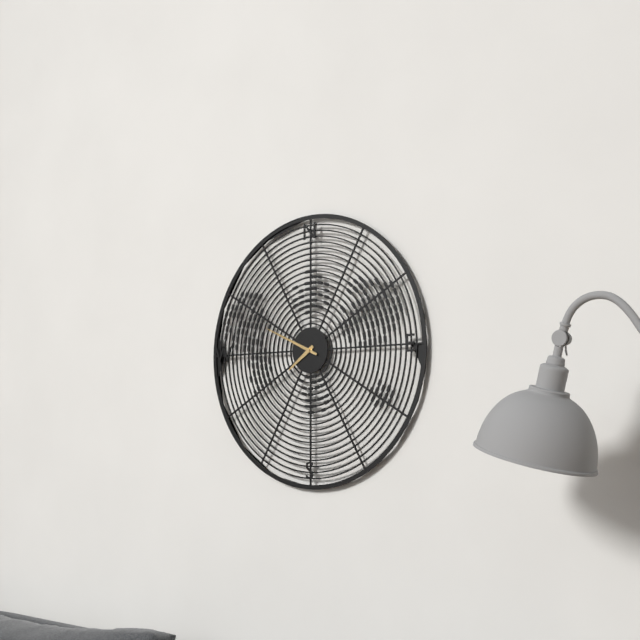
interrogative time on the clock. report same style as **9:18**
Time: **7:49**
